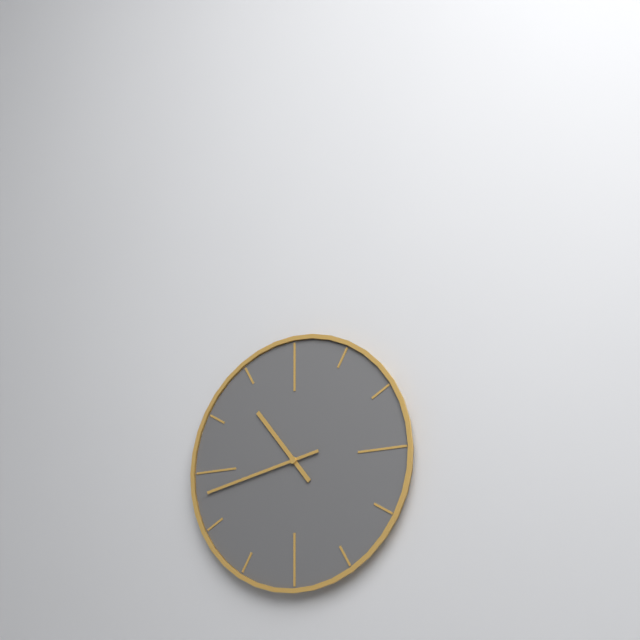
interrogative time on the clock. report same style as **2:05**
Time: **10:43**
